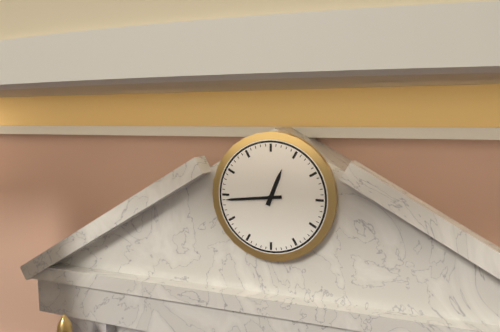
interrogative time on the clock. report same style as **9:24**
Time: **12:44**
